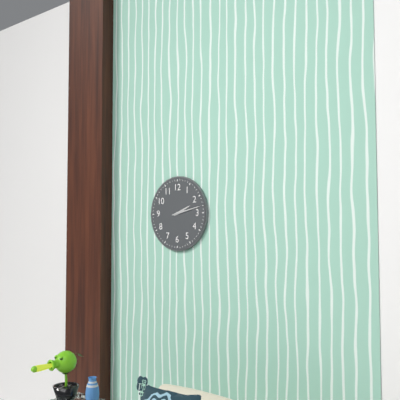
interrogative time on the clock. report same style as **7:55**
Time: **2:13**
